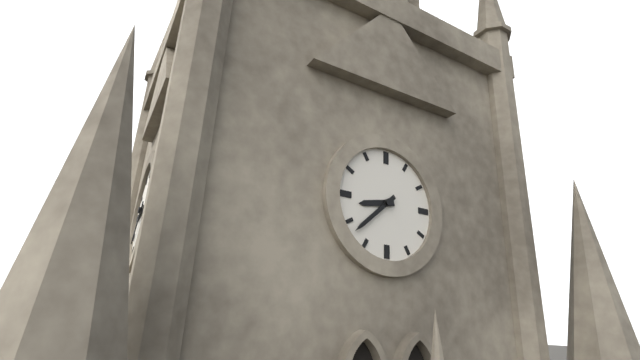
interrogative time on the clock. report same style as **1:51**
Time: **8:38**
